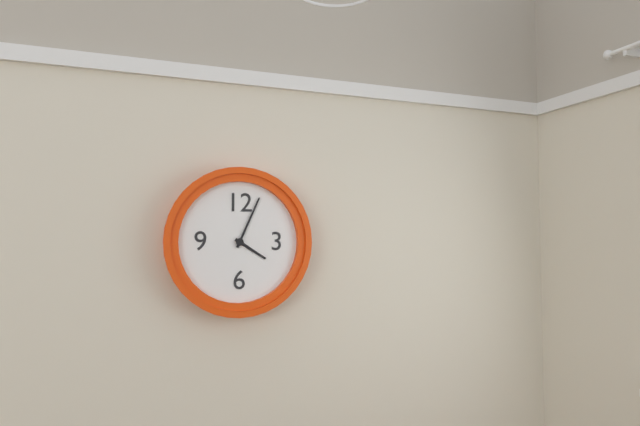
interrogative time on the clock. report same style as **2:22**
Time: **4:04**
